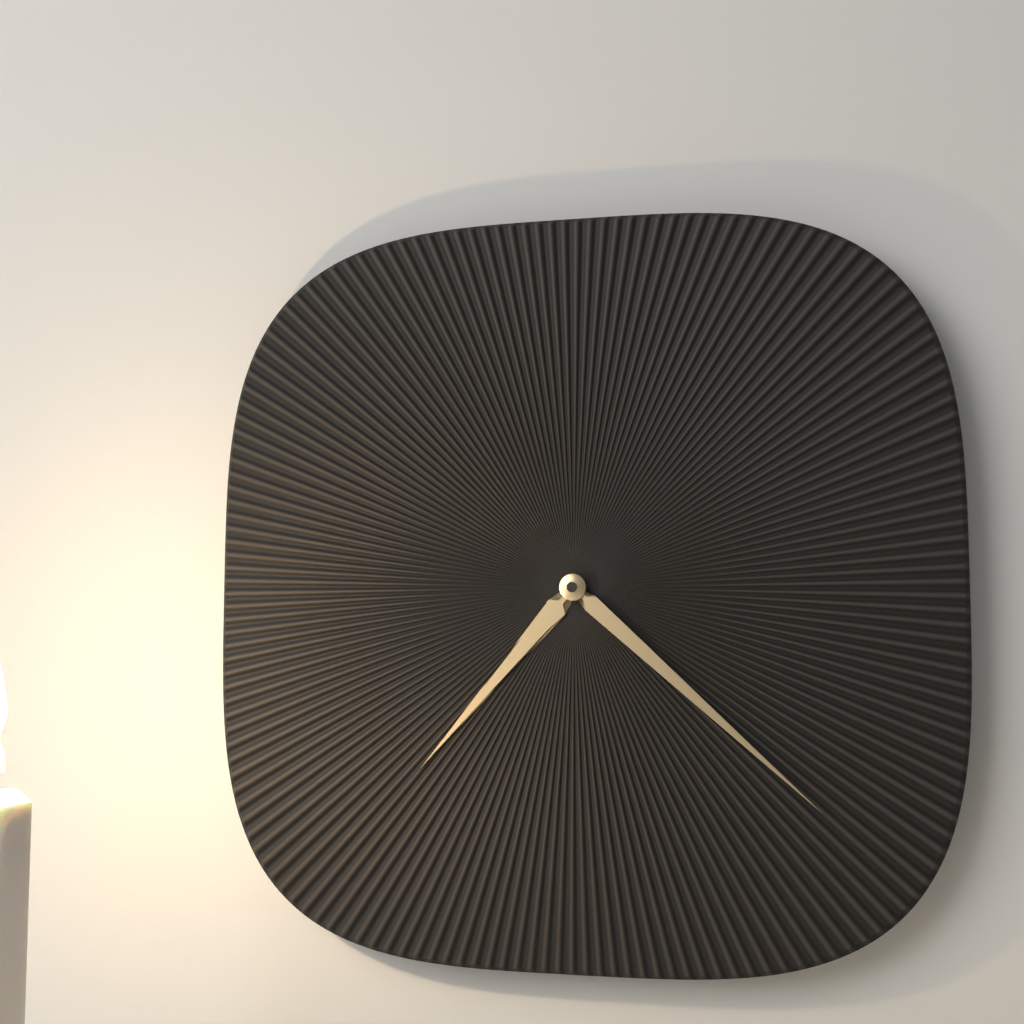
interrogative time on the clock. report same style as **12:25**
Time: **7:22**
